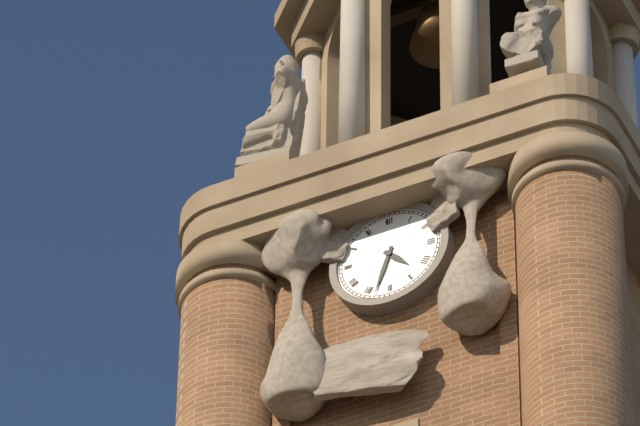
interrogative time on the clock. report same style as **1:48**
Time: **4:33**
